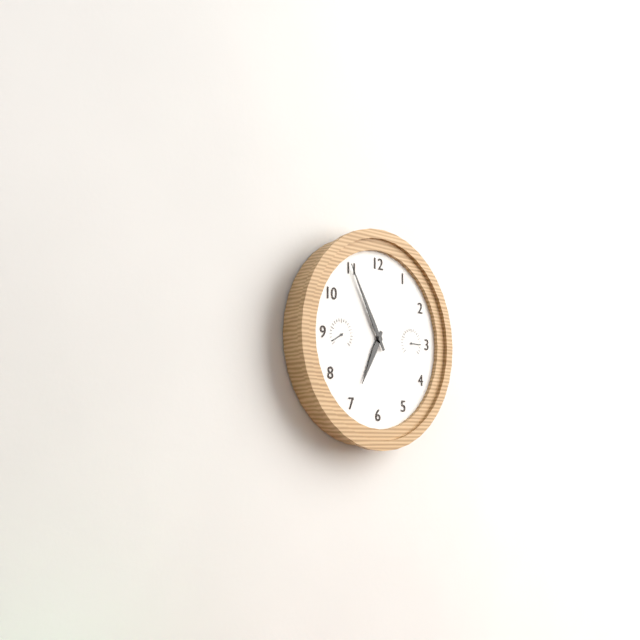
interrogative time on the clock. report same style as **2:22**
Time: **6:55**
